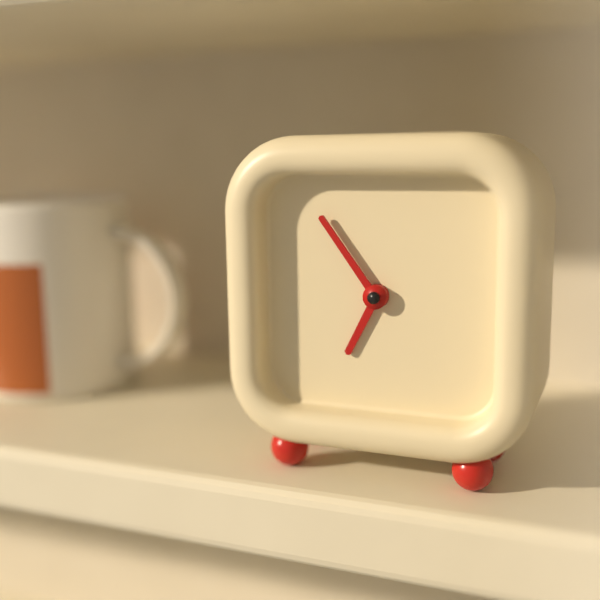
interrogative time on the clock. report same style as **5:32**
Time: **6:54**
